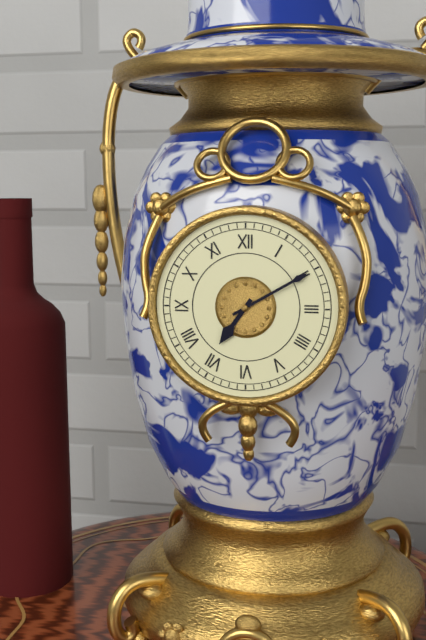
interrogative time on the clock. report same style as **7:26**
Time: **7:10**
